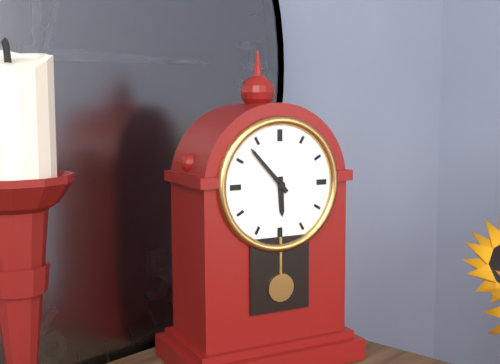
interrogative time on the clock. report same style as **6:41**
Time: **5:53**
